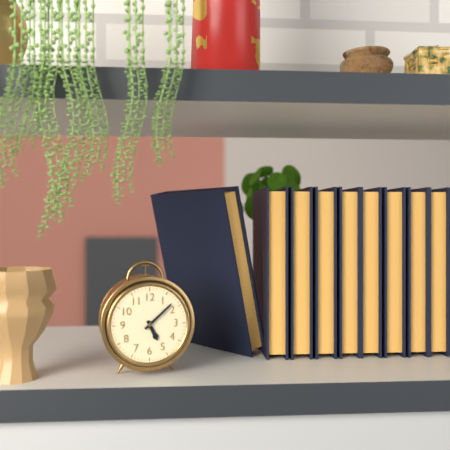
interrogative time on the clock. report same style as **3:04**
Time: **5:08**
